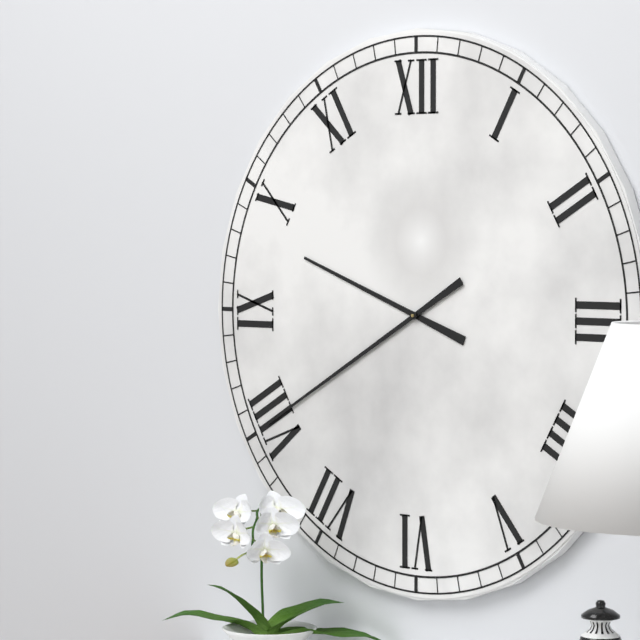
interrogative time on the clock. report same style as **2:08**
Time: **9:40**
